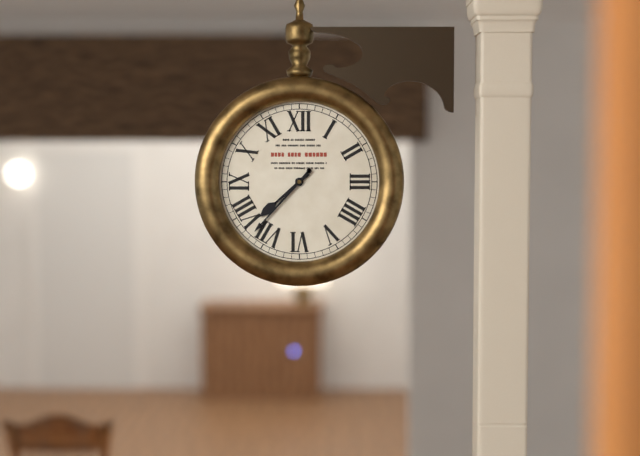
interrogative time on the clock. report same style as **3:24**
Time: **7:37**
